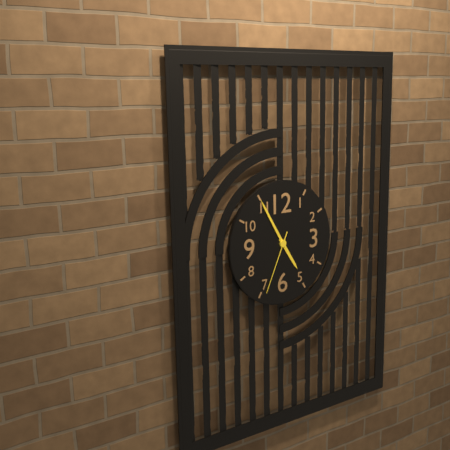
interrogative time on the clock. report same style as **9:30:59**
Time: **4:55:34**
